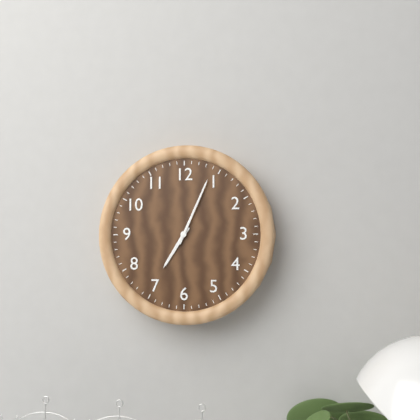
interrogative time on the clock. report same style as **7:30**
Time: **7:04**
